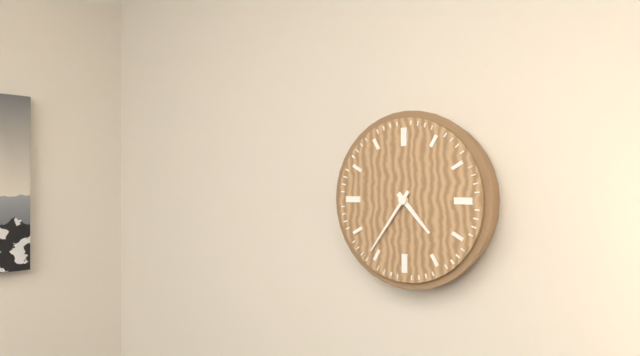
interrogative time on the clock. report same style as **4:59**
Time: **4:36**
